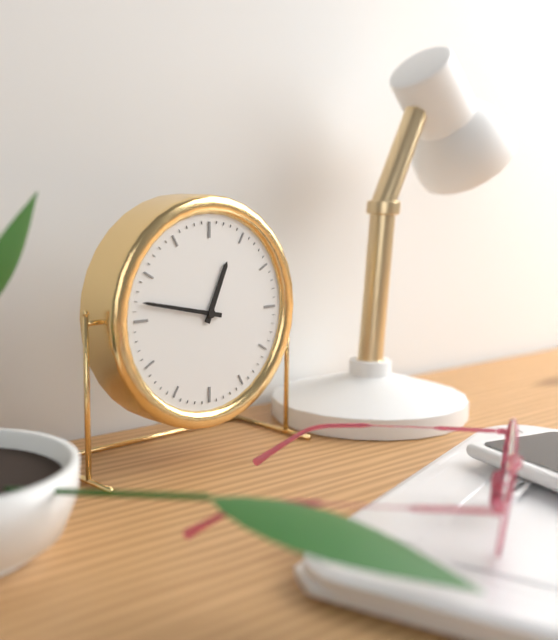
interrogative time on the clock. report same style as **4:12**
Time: **12:47**
